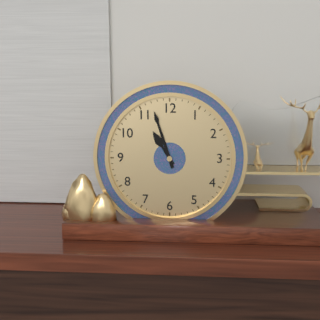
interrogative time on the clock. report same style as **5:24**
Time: **10:57**
